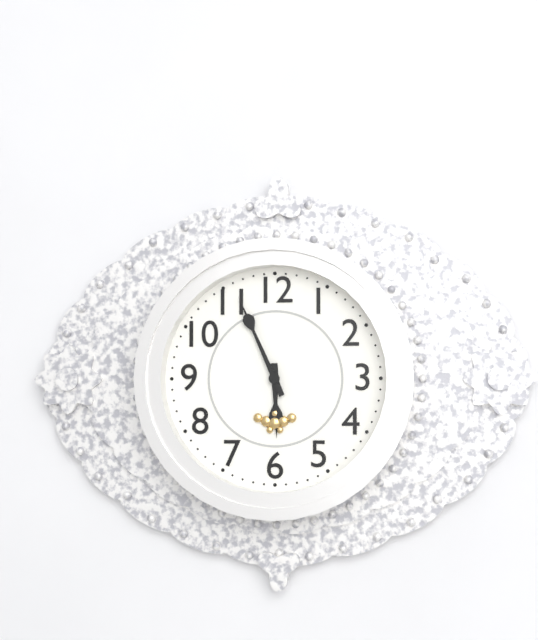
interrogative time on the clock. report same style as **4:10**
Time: **5:56**
